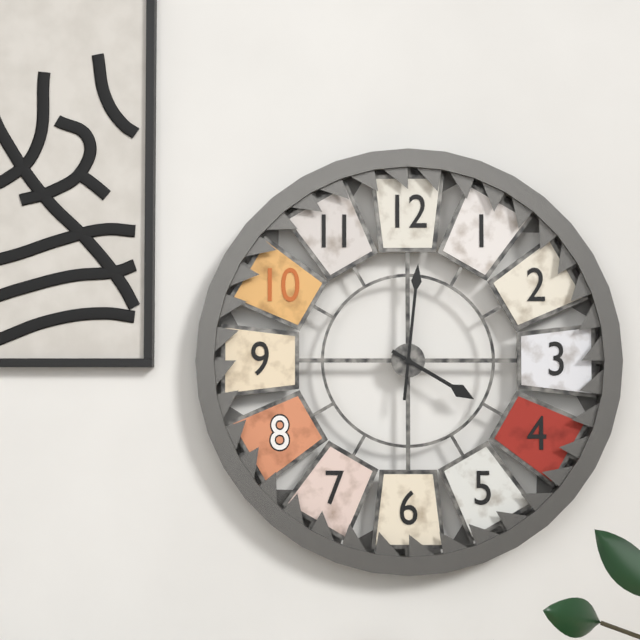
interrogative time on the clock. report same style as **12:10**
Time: **4:01**
